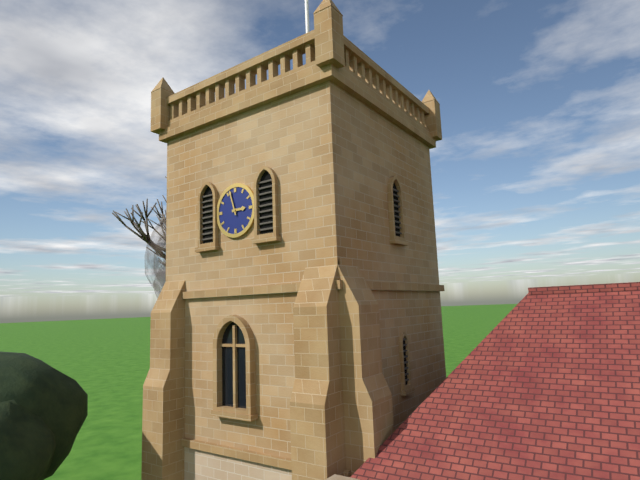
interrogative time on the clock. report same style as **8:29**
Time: **2:57**
